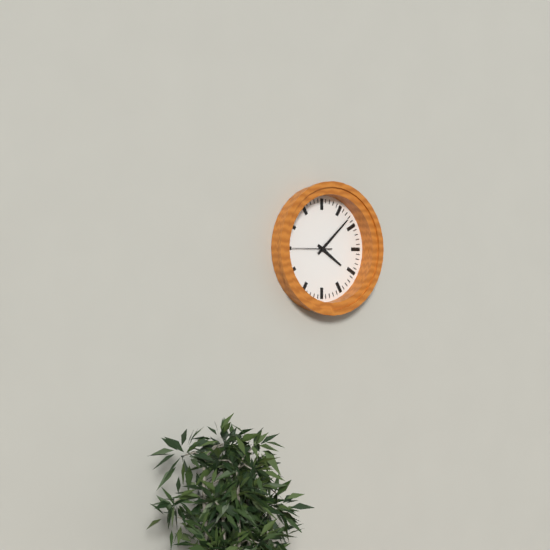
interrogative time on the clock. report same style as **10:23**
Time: **4:08**
